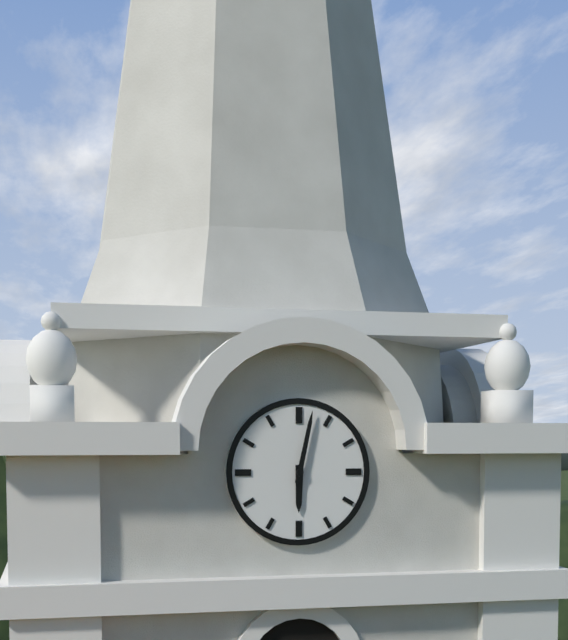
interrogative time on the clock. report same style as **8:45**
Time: **6:02**
